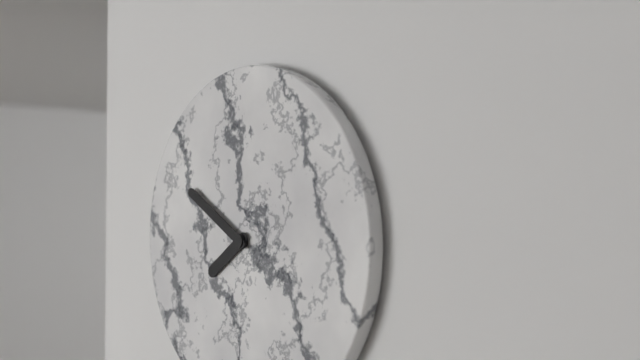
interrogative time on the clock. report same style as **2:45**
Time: **7:50**
